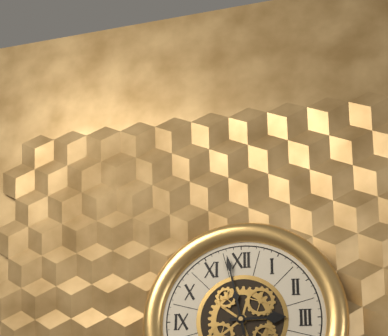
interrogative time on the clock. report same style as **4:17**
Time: **2:58**
